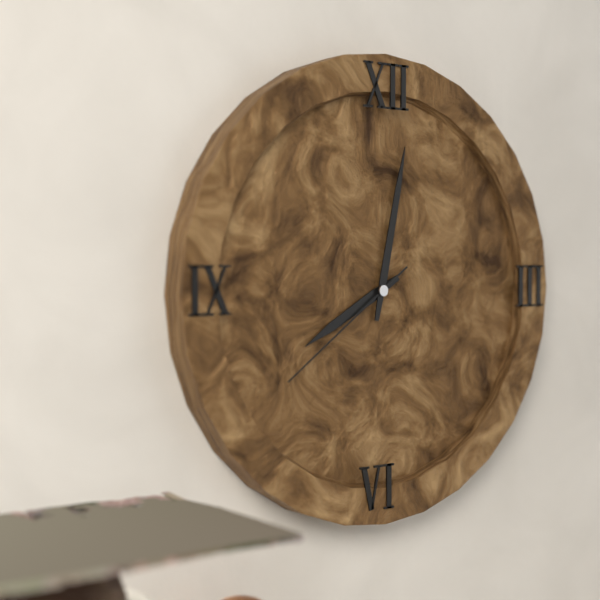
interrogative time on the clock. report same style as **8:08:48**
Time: **8:02:39**
